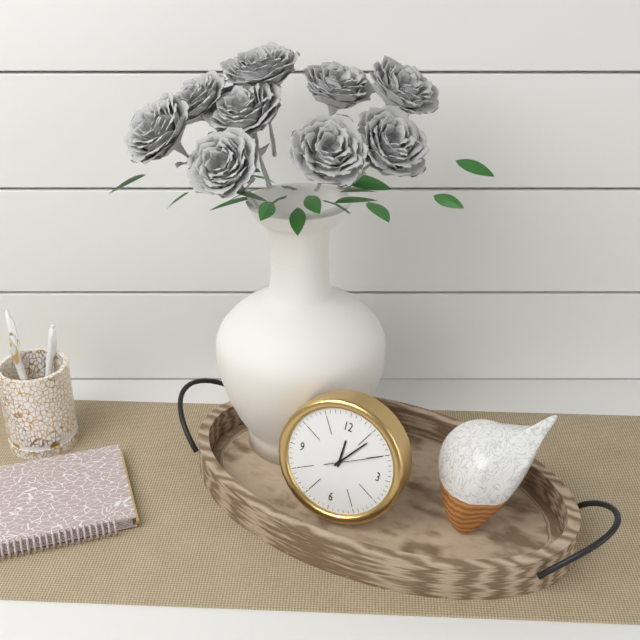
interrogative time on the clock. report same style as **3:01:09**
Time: **12:06:10**
